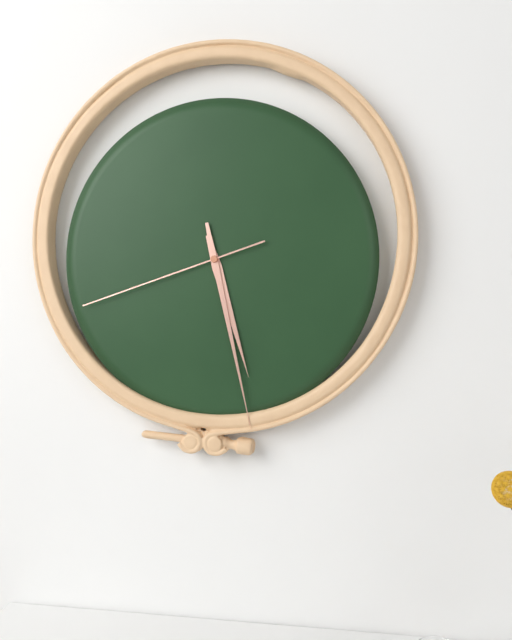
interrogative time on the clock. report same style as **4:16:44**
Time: **5:28:42**
